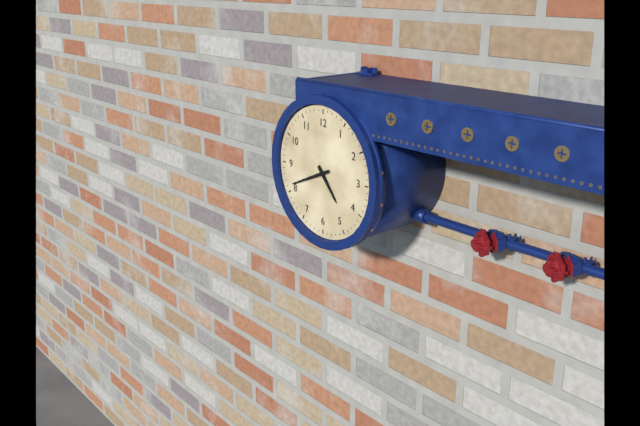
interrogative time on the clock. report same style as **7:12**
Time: **4:41**
